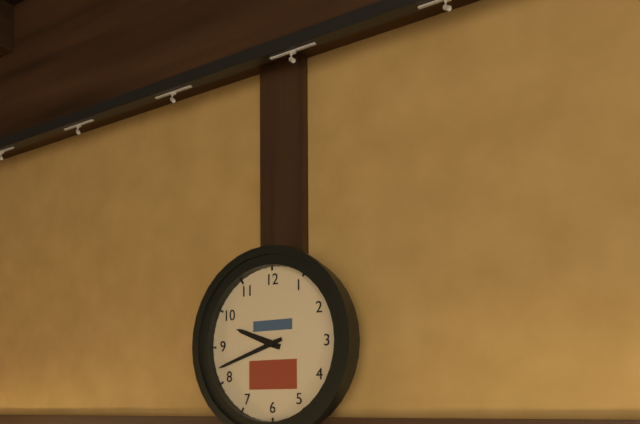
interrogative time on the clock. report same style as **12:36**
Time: **9:42**
